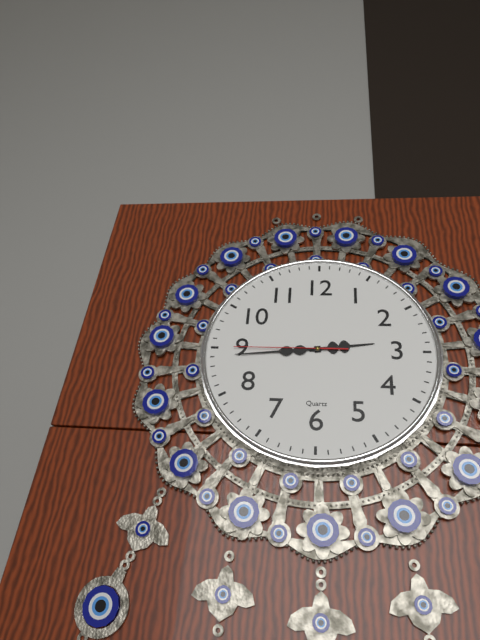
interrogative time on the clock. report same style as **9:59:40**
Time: **2:44:45**
